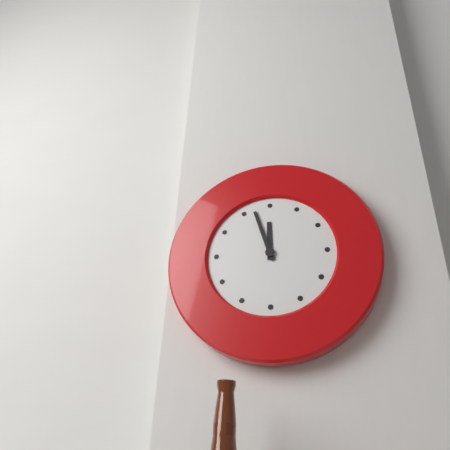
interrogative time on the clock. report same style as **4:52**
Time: **11:57**
